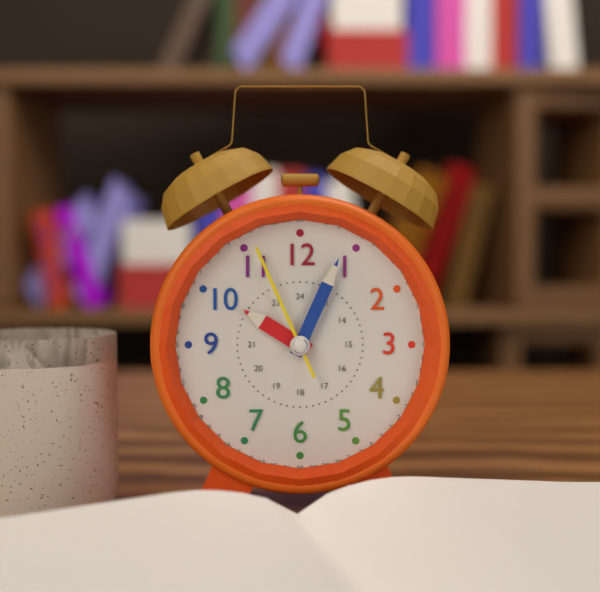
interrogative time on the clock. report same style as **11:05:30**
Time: **10:04:56**
